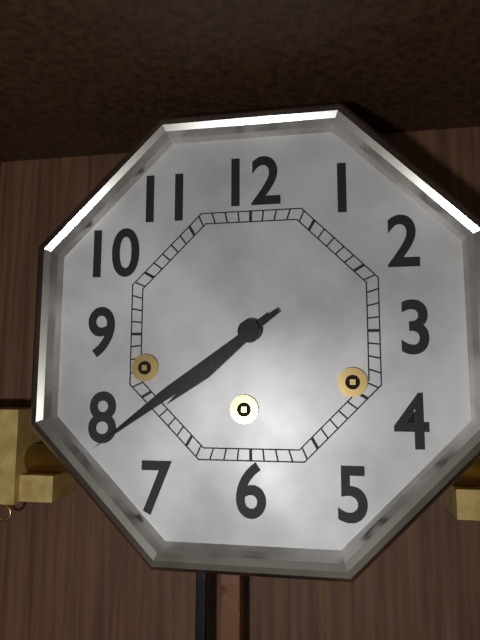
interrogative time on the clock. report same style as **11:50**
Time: **7:39**
